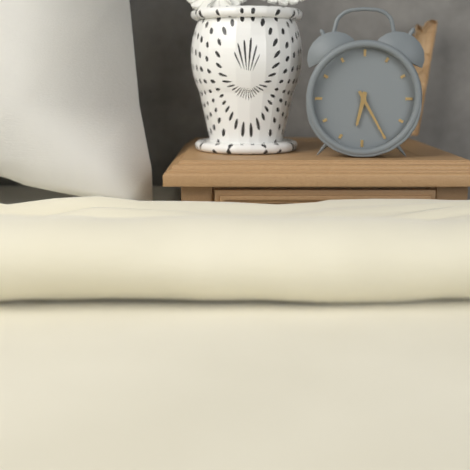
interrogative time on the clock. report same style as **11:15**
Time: **6:25**
